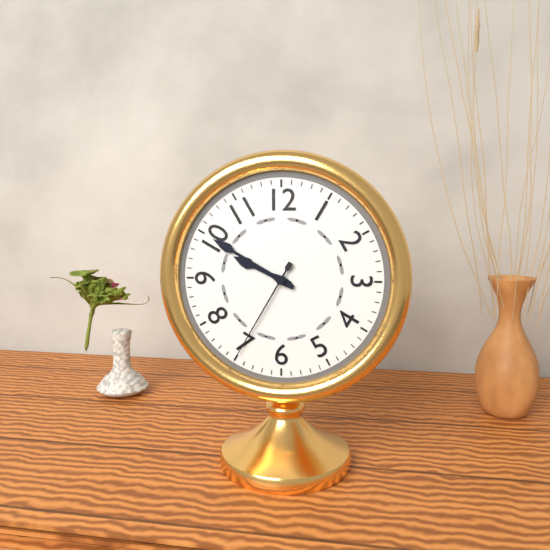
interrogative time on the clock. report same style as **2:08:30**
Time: **9:50:35**
